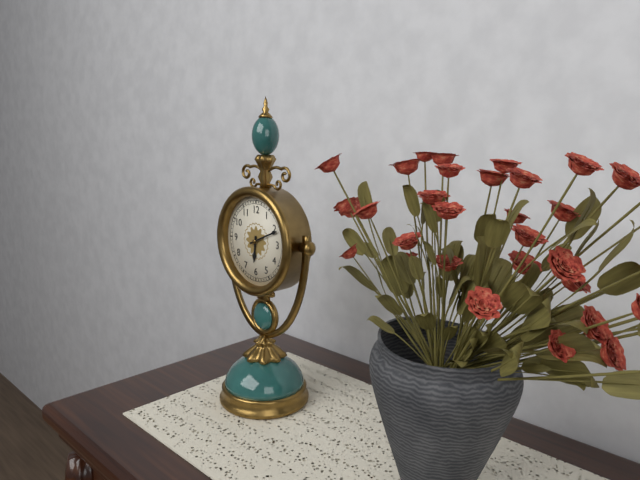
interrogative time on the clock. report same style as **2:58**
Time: **6:11**
